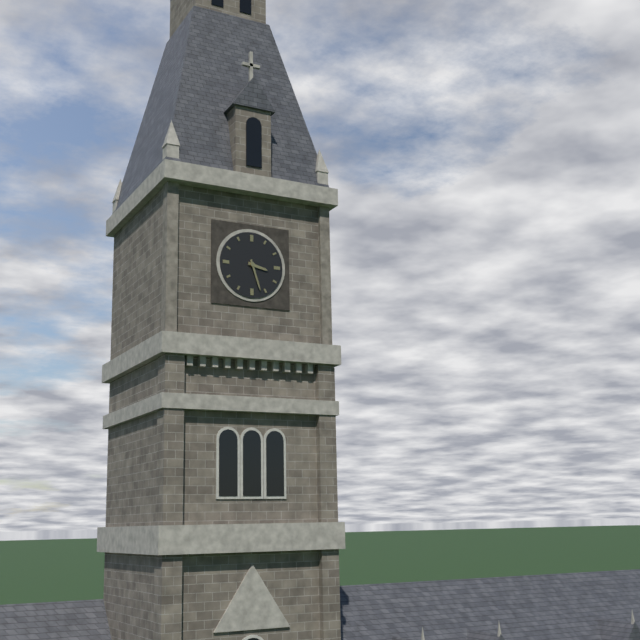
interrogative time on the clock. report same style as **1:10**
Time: **3:27**
